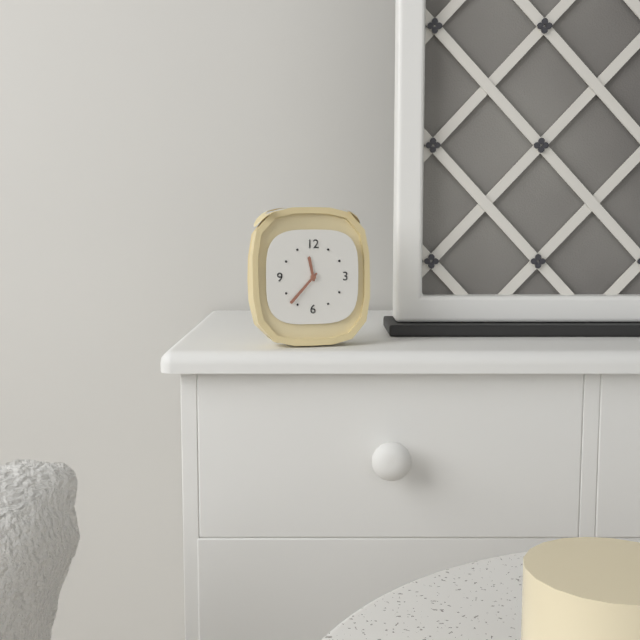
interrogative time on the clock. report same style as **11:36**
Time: **11:37**
